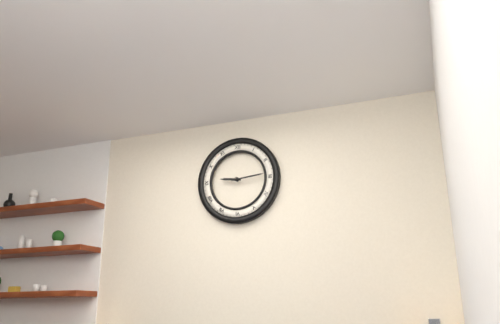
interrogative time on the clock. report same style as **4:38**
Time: **9:14**
